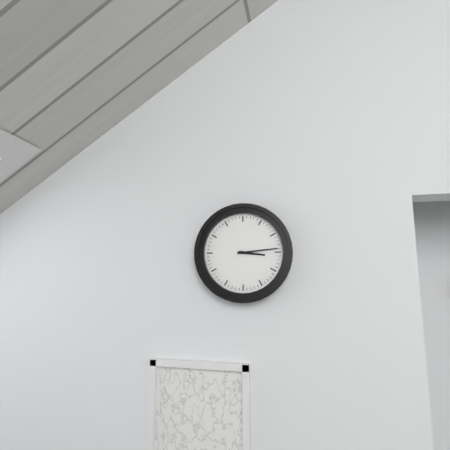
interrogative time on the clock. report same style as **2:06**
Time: **3:14**
